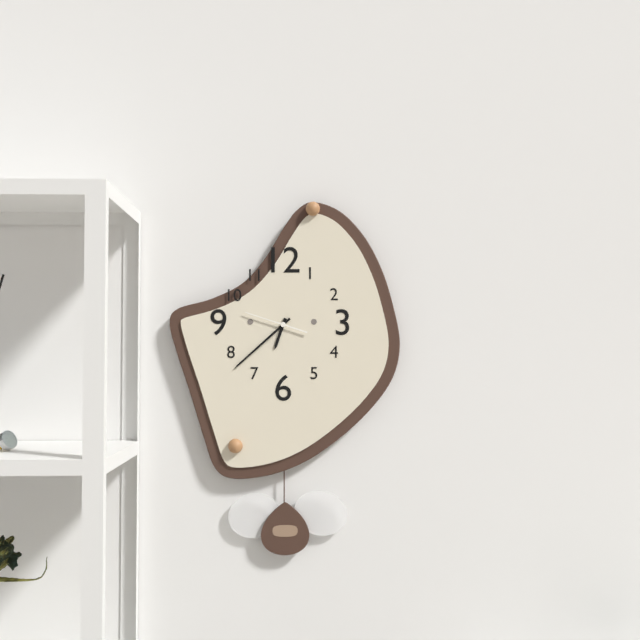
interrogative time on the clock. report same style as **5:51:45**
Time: **6:38:48**
